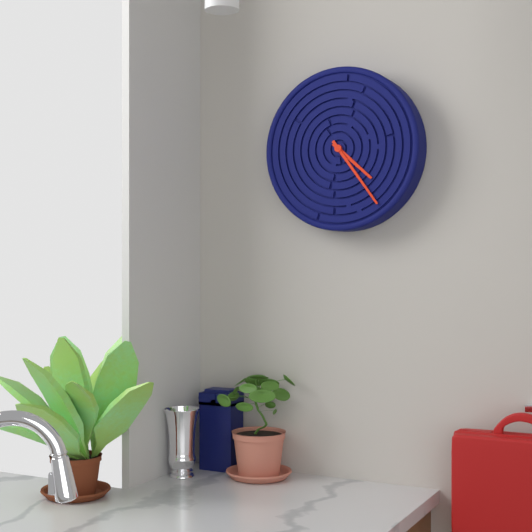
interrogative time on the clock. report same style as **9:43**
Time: **4:24**
